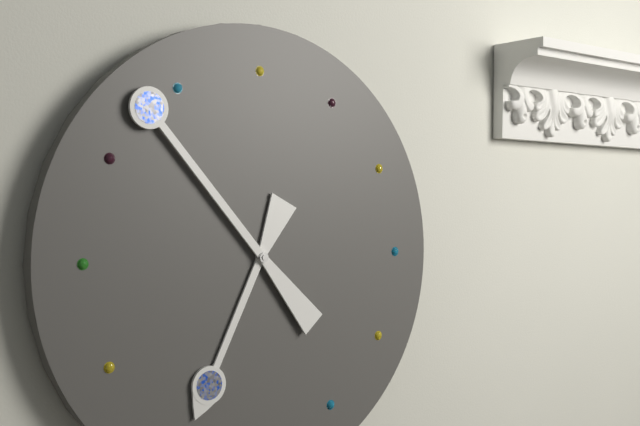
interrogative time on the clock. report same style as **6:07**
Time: **6:53**
